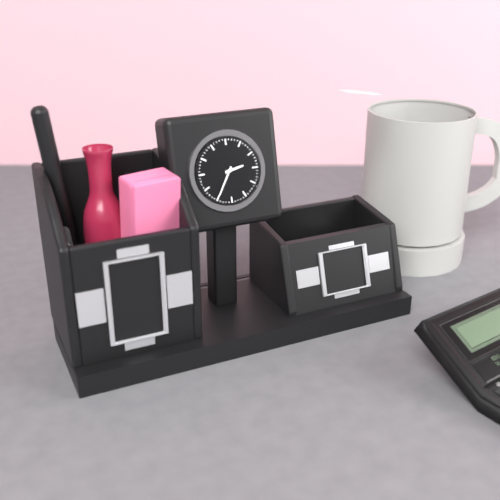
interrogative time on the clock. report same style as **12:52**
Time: **2:35**
